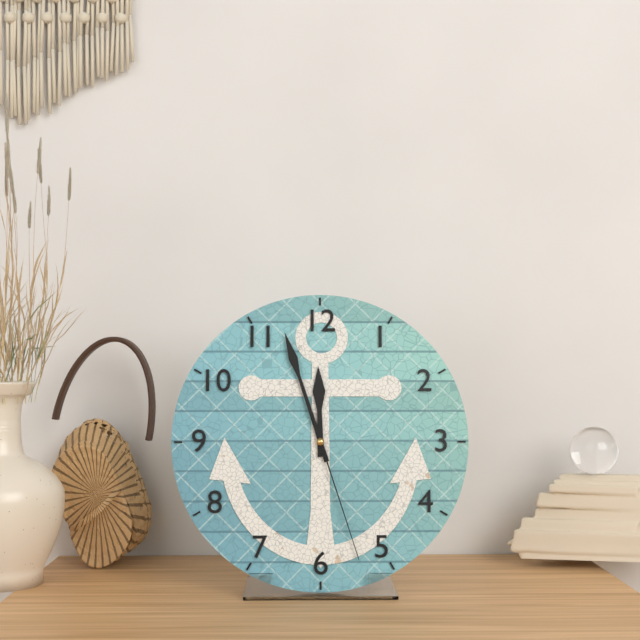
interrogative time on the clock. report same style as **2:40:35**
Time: **11:57:27**
